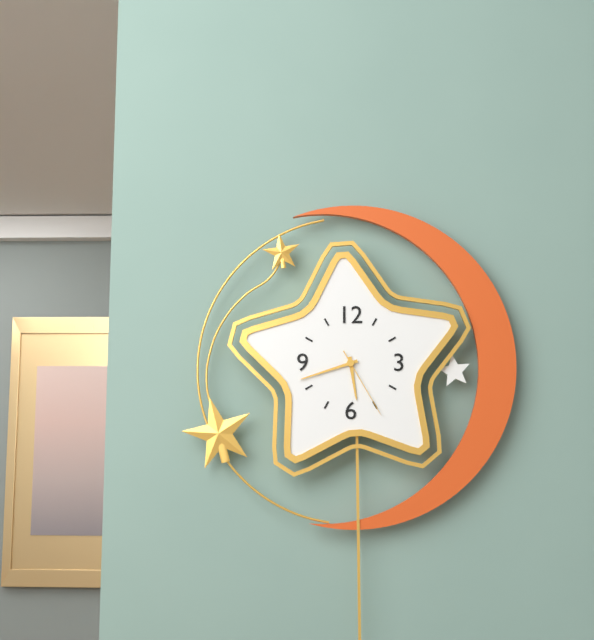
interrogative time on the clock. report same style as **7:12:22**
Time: **5:42:25**
